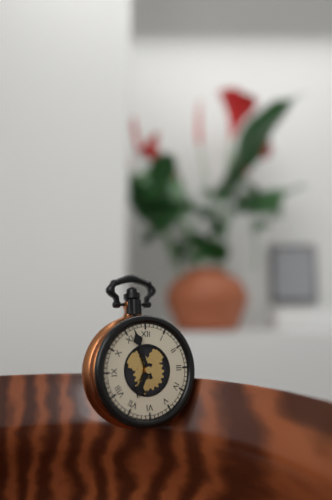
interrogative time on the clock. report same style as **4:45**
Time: **6:57**
